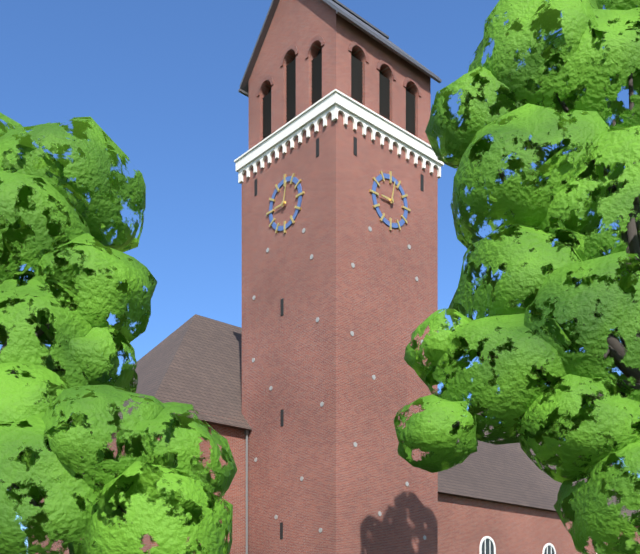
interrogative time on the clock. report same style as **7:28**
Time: **9:02**
